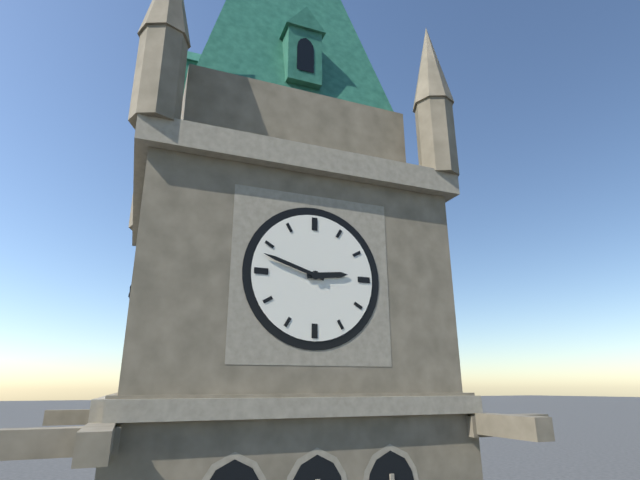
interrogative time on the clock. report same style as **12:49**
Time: **2:48**
